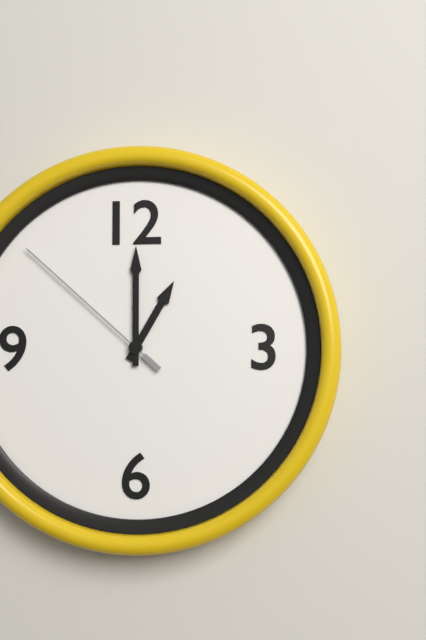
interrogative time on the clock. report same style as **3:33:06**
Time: **1:00:52**
